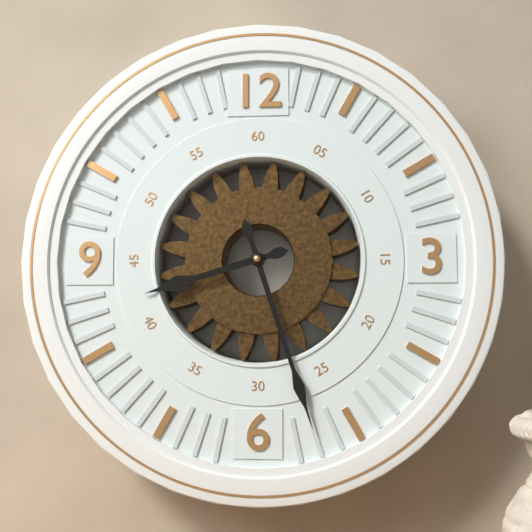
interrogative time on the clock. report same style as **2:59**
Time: **8:27**
